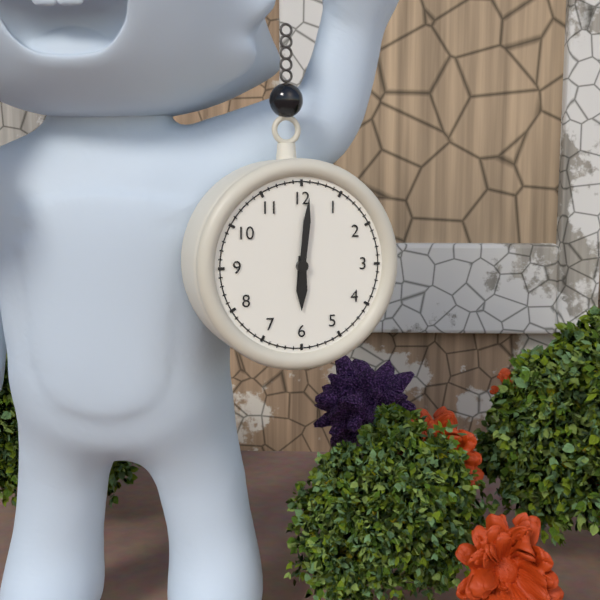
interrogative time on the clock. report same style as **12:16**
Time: **6:01**
